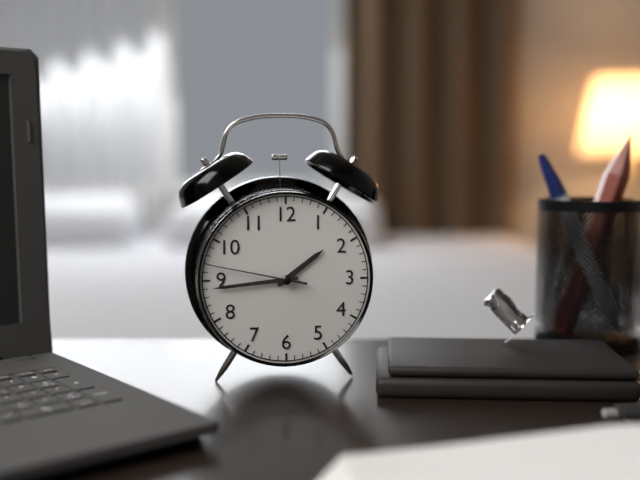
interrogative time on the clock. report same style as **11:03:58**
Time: **1:44:47**
